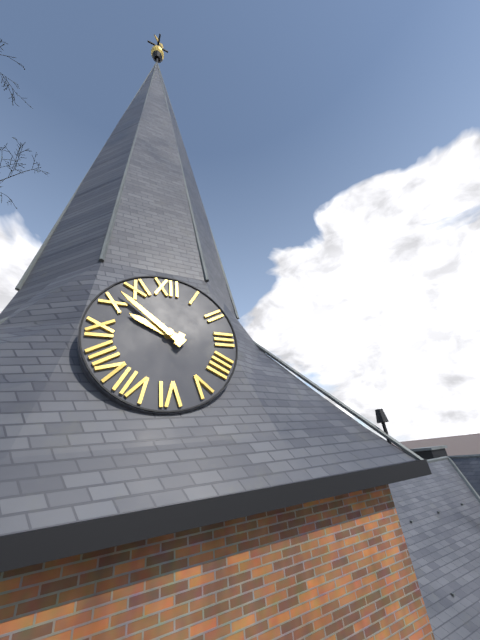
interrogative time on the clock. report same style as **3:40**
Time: **9:52**
